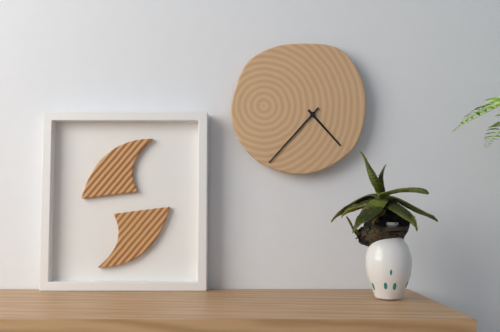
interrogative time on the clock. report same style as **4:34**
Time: **4:37**
